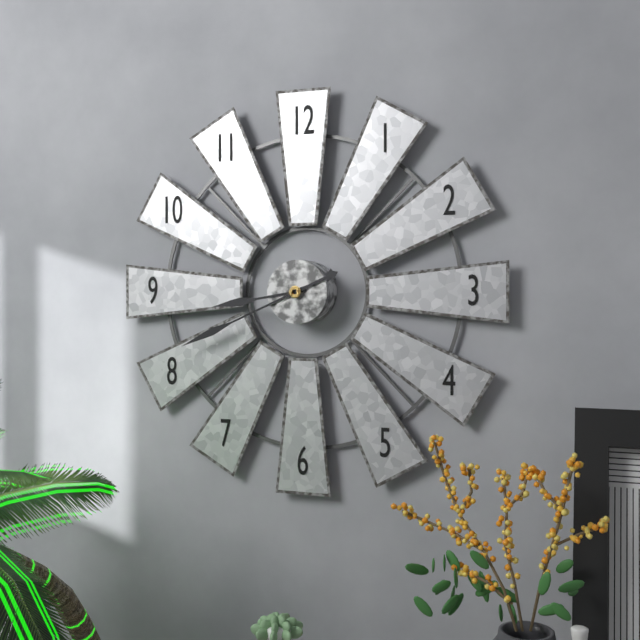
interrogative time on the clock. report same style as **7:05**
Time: **8:41**
